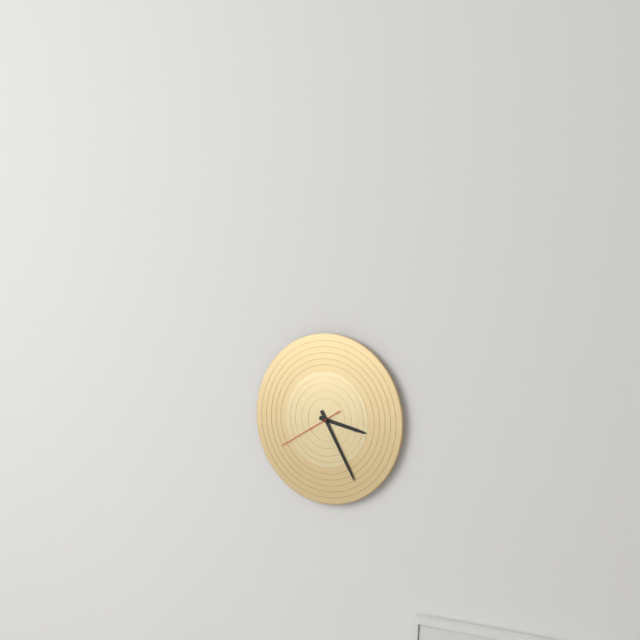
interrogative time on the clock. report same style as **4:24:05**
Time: **3:25:40**
